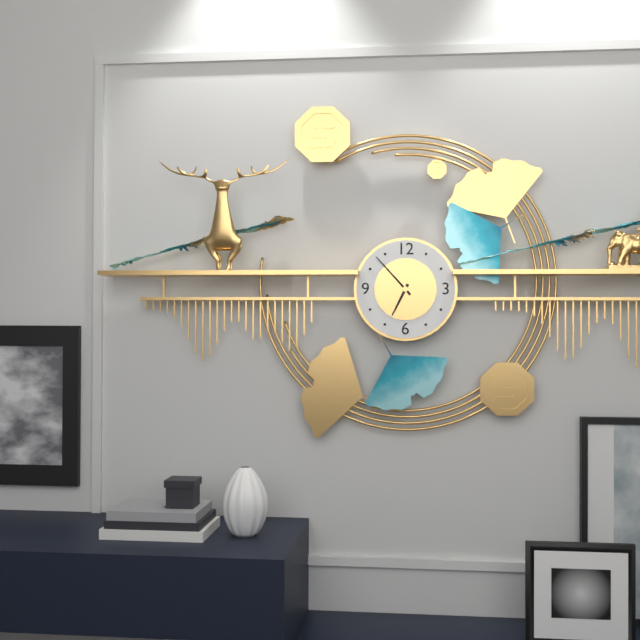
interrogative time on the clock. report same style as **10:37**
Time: **6:53**
